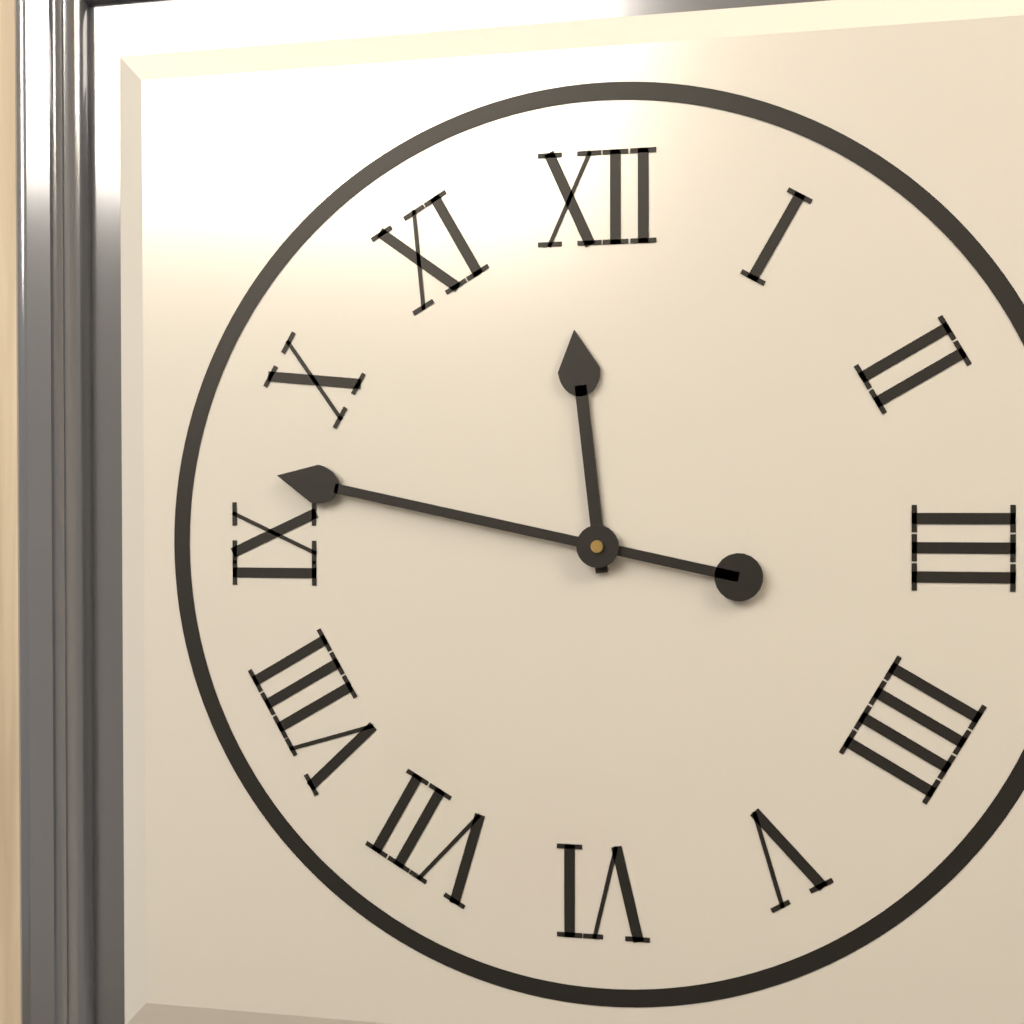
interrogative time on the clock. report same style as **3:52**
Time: **11:47**
